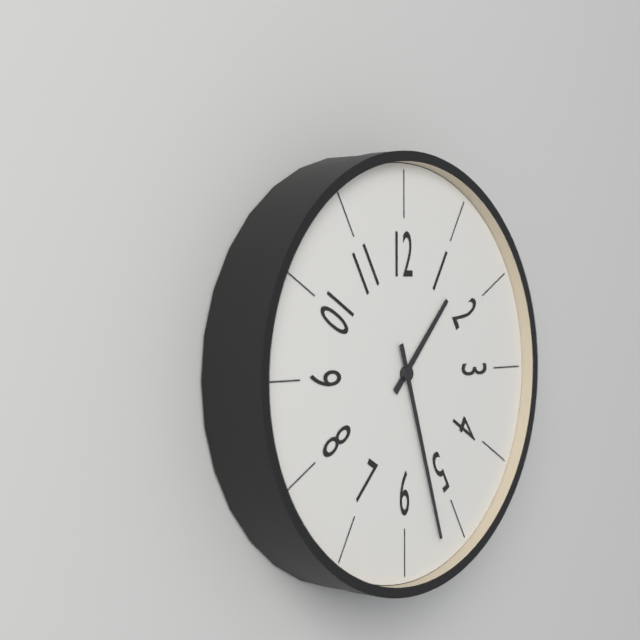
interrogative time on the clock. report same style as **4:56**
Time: **1:27**
